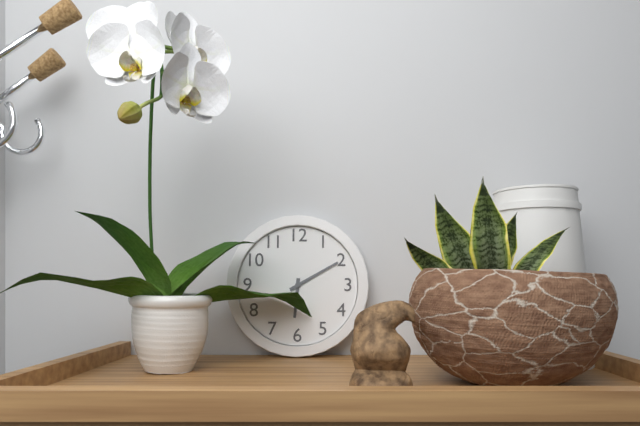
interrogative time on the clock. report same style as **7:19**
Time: **6:10**
